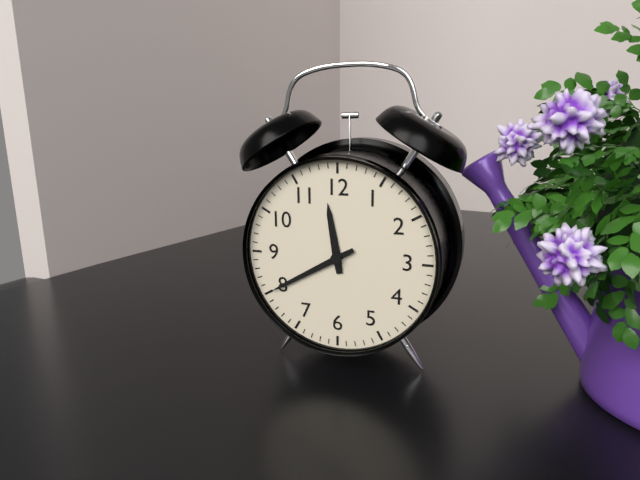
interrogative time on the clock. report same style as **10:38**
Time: **11:40**
